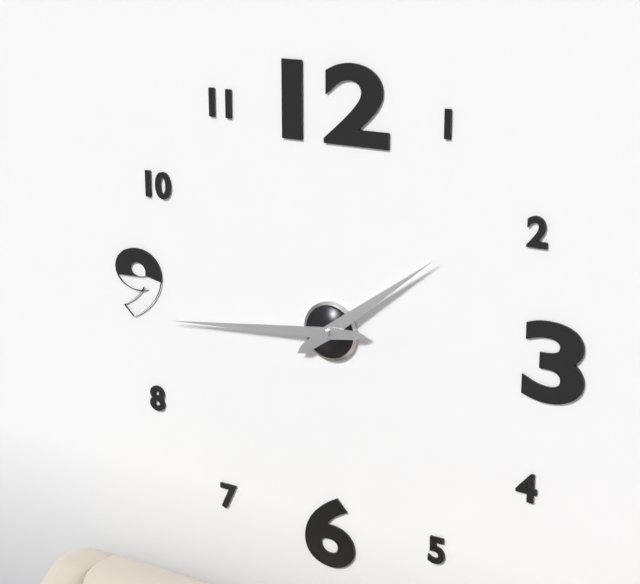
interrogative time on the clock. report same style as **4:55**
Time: **1:44**
